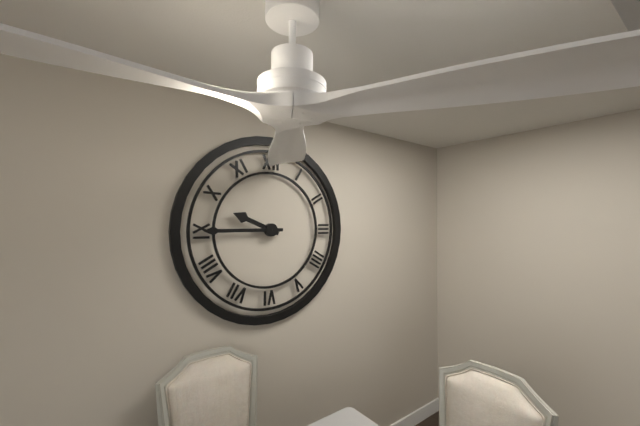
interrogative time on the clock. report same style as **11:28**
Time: **9:45**
